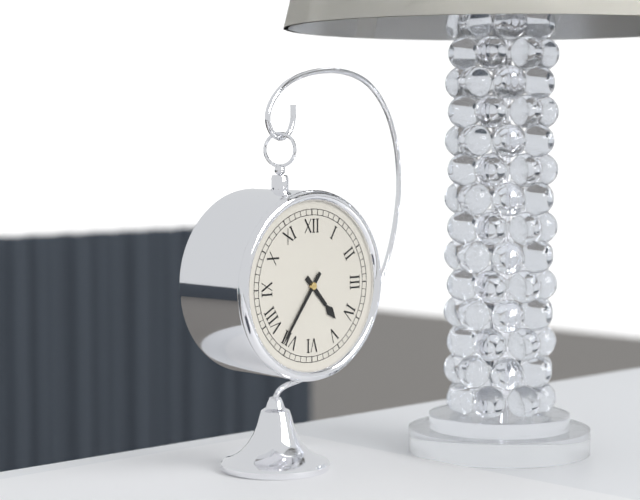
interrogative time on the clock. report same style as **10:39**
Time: **4:36**
